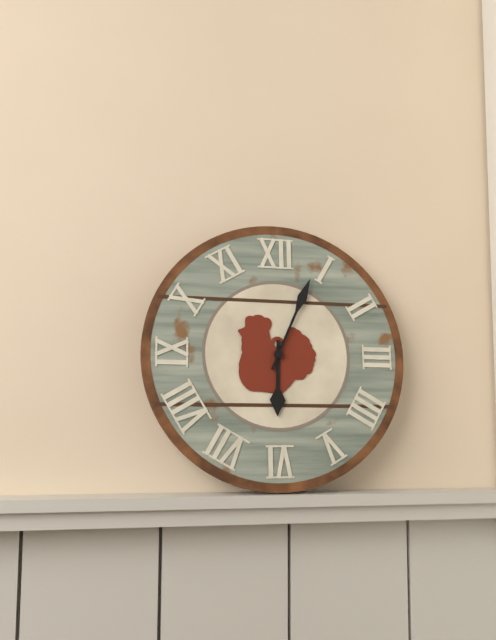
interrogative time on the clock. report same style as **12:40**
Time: **6:04**
